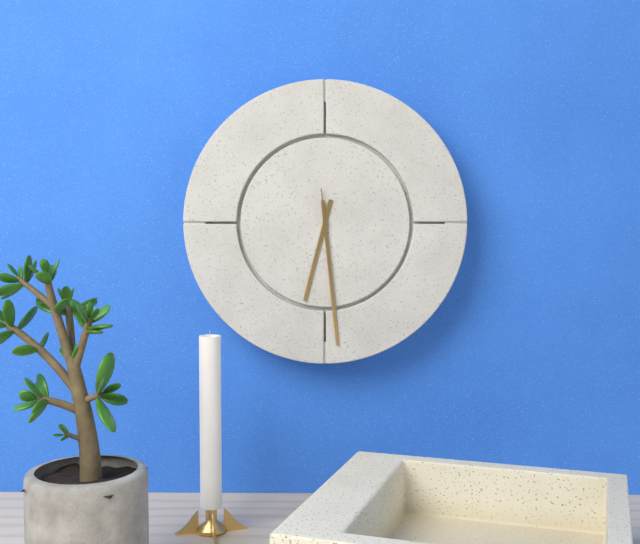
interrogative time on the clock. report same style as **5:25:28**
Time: **6:29:29**
